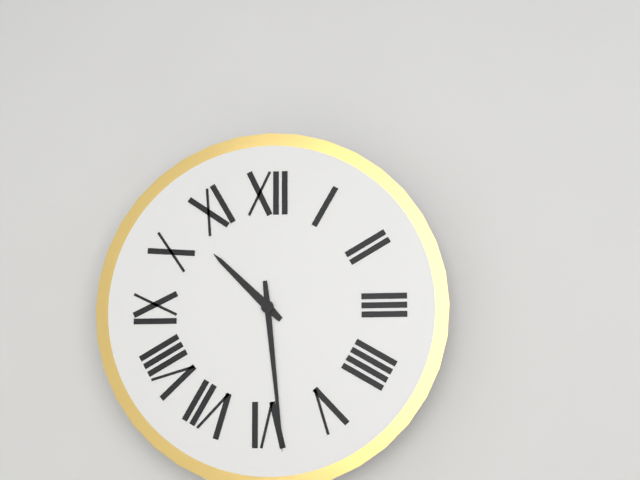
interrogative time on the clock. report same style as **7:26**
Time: **10:29**
